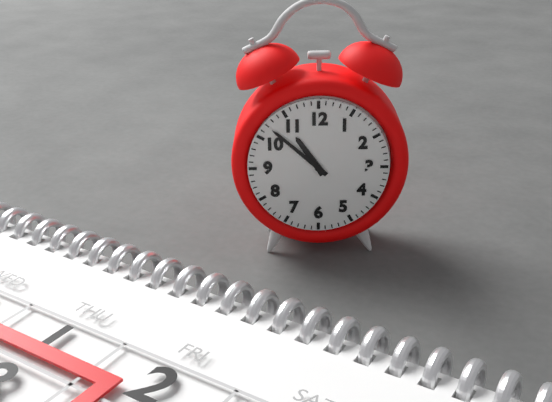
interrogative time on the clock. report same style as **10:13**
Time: **10:52**
